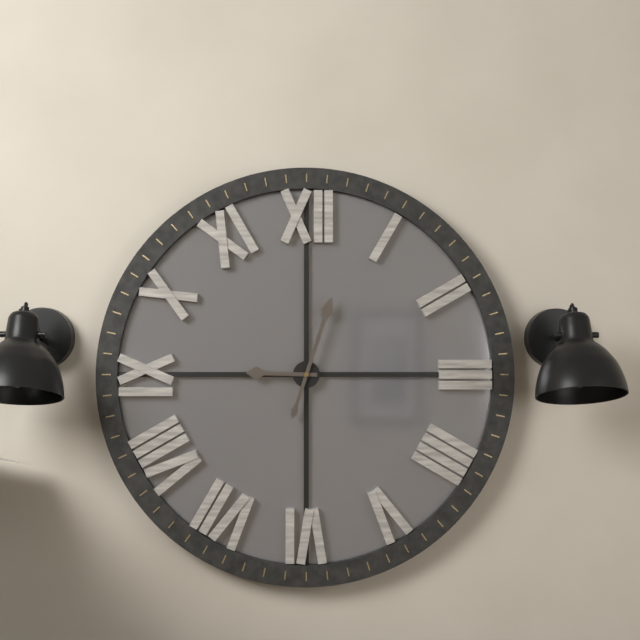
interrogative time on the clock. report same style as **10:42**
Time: **9:03**
